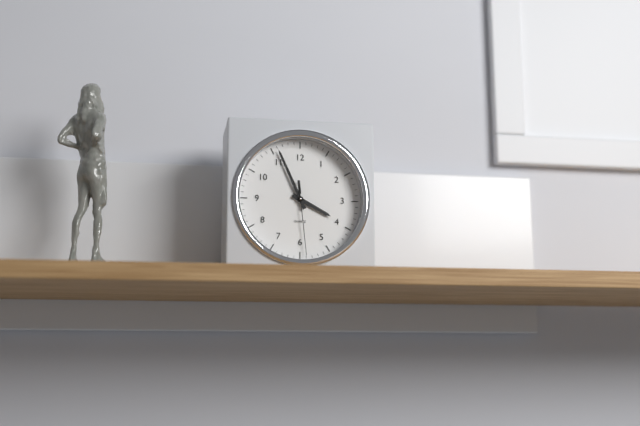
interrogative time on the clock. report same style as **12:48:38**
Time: **3:56:29**
